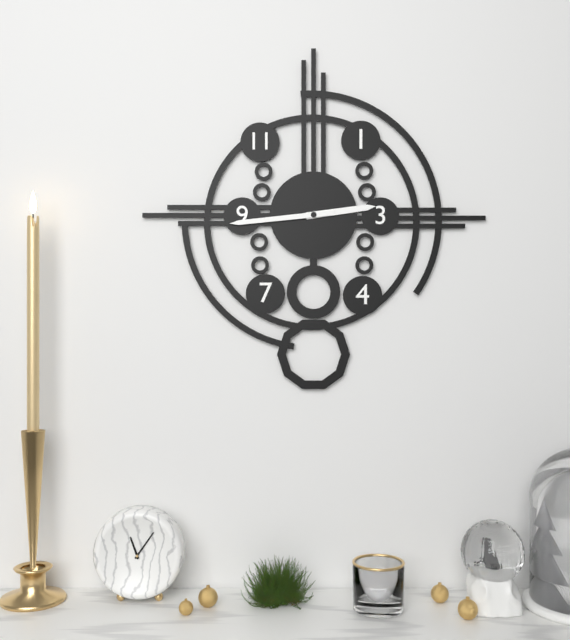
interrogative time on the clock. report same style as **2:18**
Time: **2:44**
